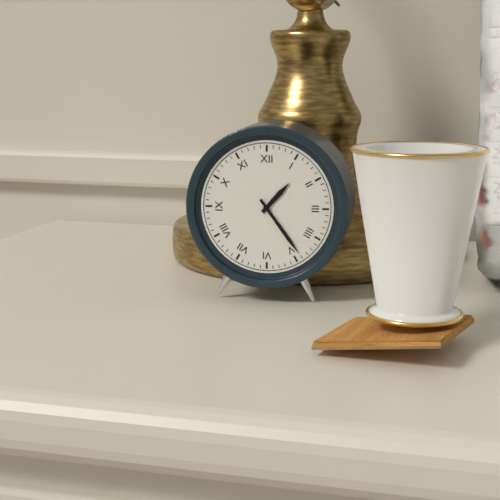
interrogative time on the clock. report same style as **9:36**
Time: **1:24**
